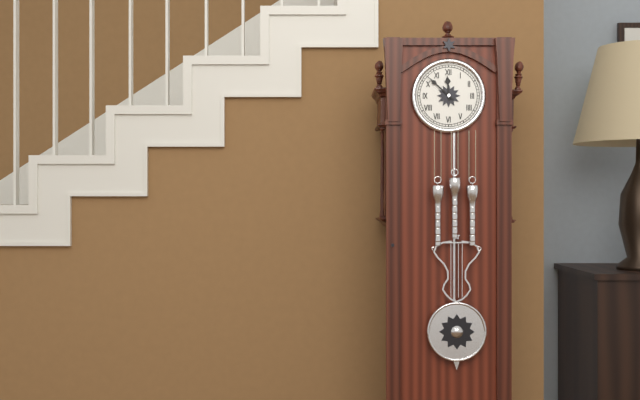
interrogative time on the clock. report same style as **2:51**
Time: **11:52**
